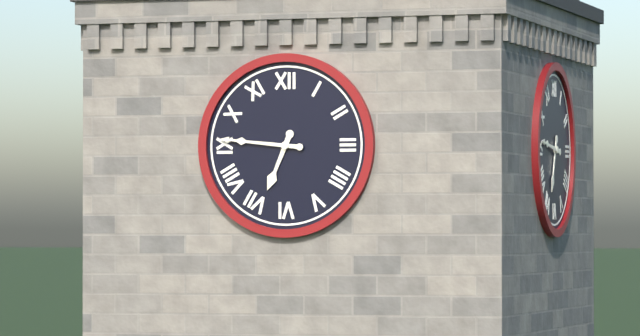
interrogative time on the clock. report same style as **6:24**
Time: **6:46**
